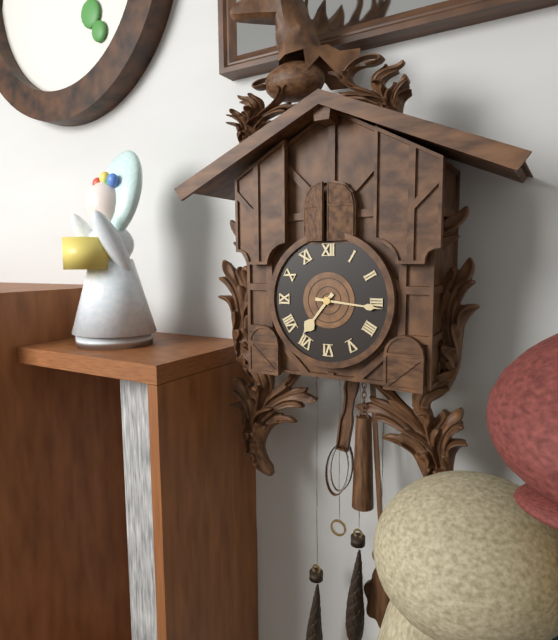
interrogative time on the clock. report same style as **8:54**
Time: **7:16**
